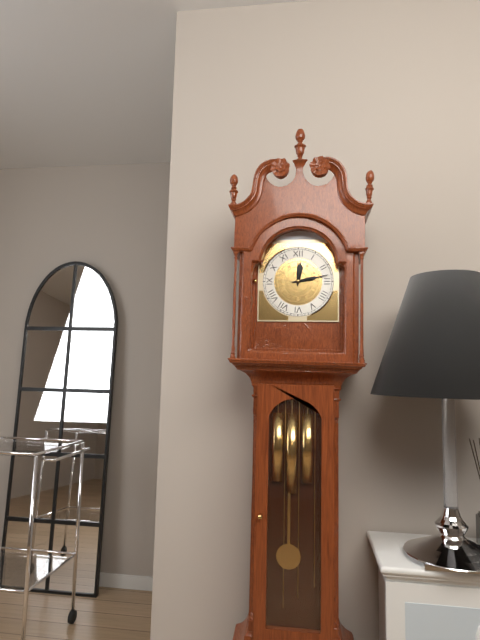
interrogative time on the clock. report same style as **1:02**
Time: **12:13**
